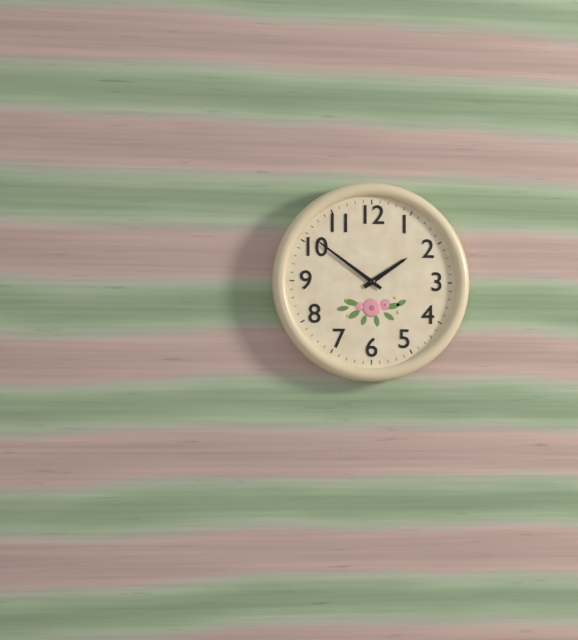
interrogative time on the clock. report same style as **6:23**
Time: **1:51**
